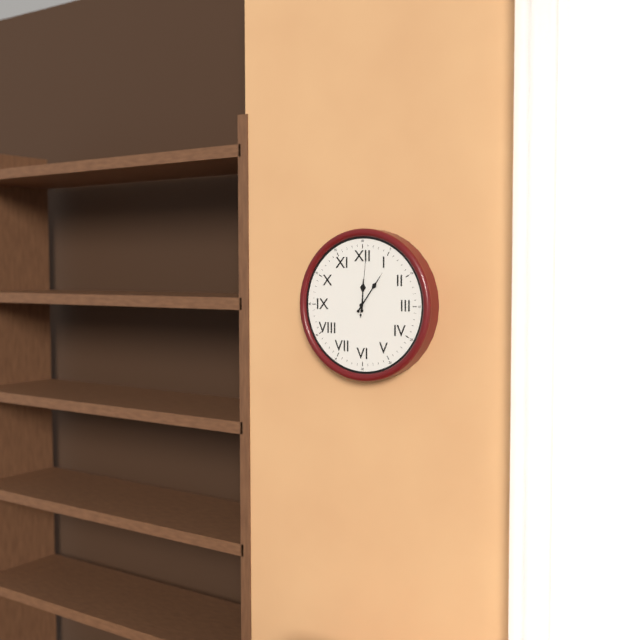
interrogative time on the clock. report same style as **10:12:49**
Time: **12:06:01**
